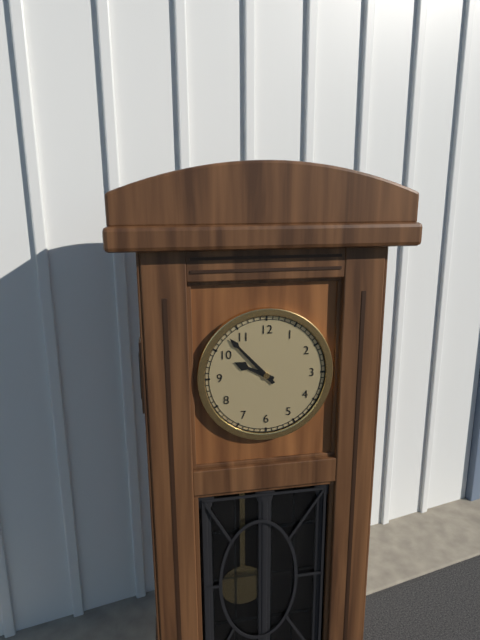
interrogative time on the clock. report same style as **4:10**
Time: **9:53**
